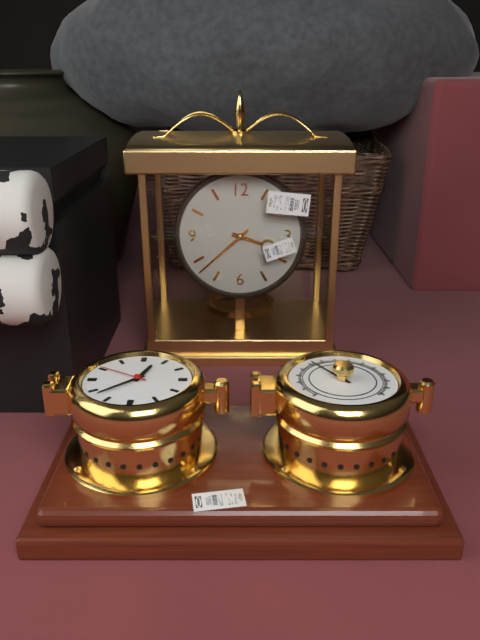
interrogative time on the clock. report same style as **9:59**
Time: **3:38**
